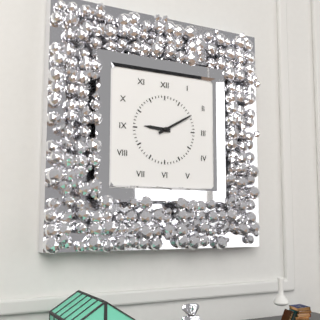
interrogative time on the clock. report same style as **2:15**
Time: **9:10**
